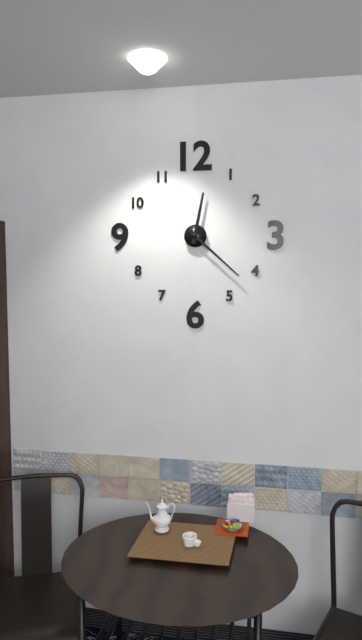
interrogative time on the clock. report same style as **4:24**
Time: **12:22**
